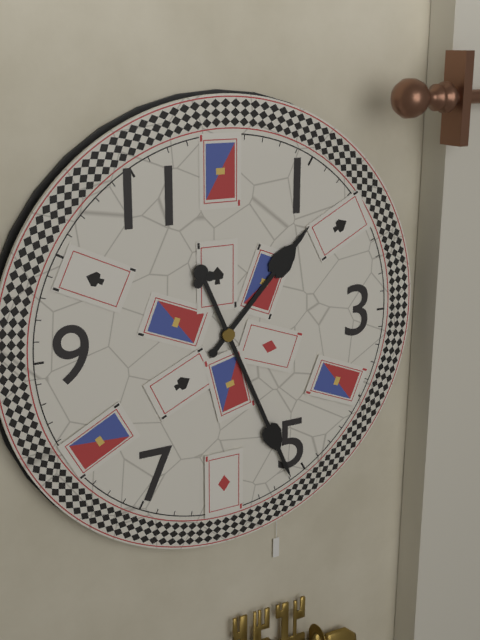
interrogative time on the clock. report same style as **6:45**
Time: **1:26**
